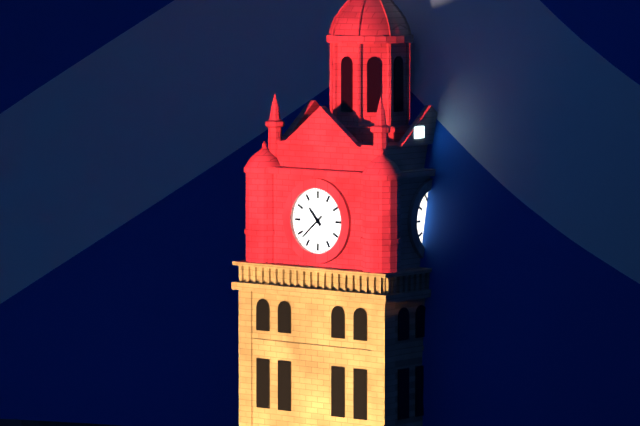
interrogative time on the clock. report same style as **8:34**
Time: **10:38**
